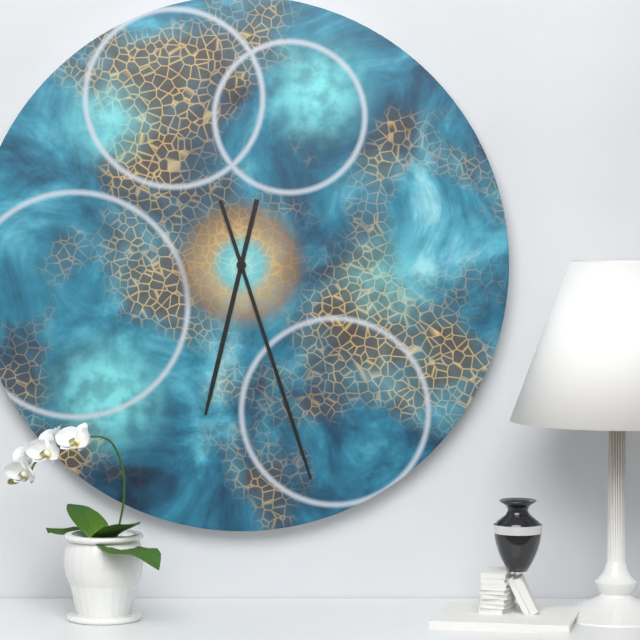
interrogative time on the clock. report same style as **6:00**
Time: **6:27**
